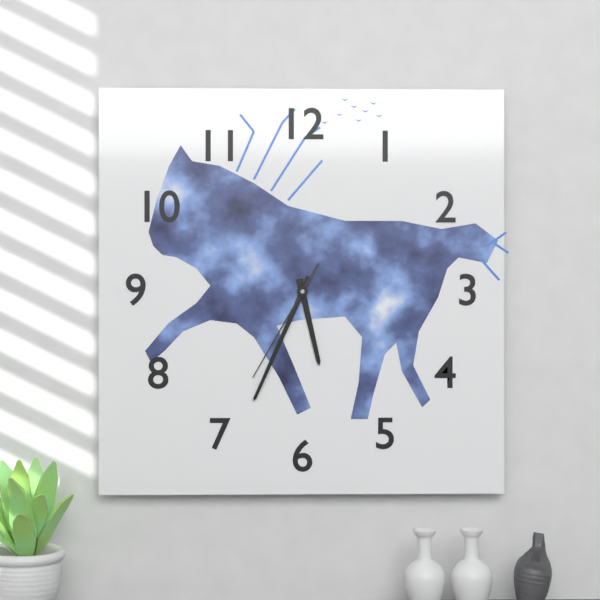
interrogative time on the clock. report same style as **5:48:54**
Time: **5:34:35**
